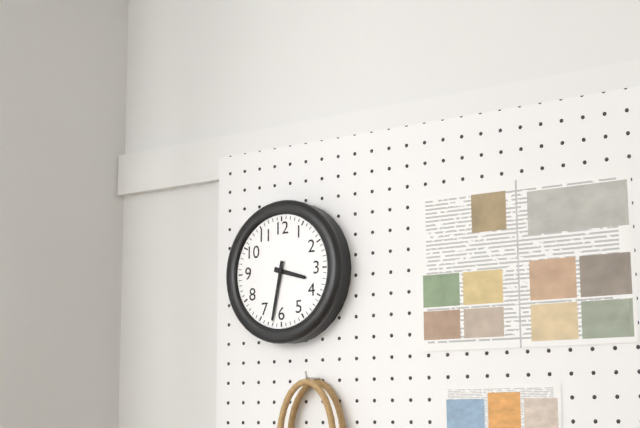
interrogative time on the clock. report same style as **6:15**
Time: **3:32**
